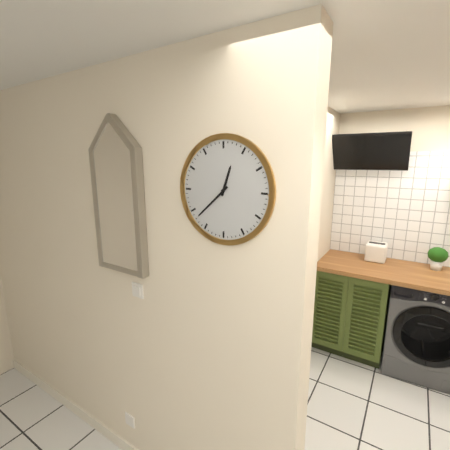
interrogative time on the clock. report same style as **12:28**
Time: **12:38**
